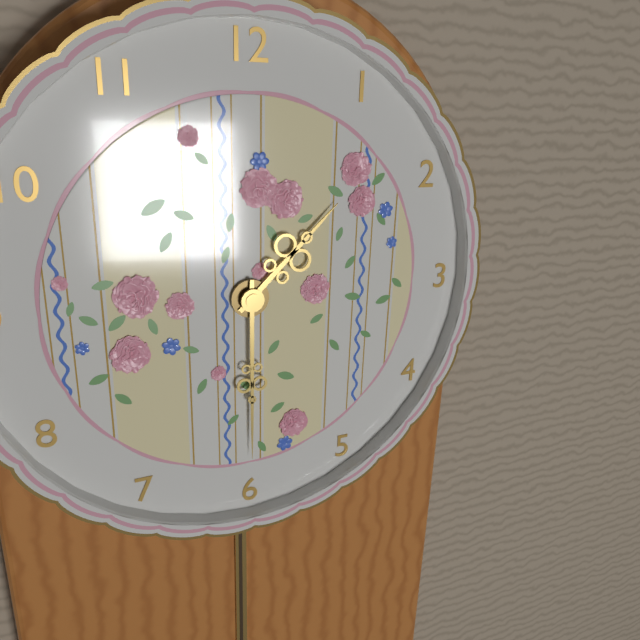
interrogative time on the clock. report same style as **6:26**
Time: **1:30**
